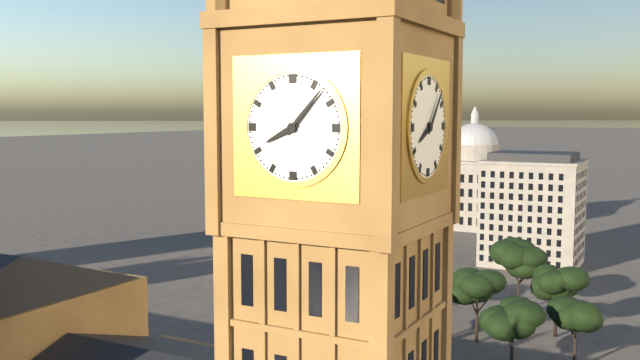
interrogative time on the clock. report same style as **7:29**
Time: **8:07**
